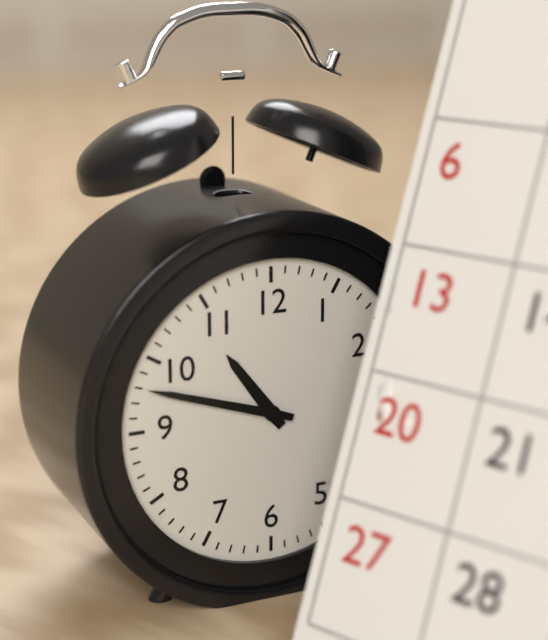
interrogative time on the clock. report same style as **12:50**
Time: **10:48**
